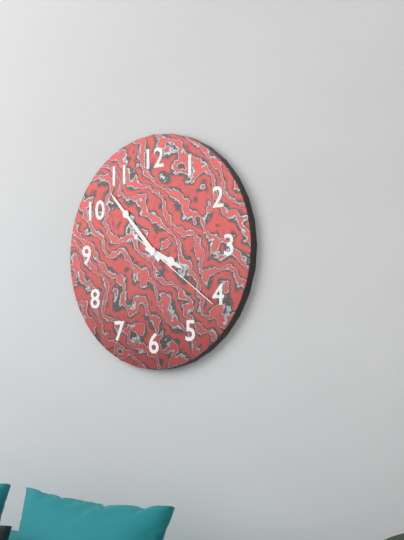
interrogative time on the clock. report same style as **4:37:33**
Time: **3:53:21**
